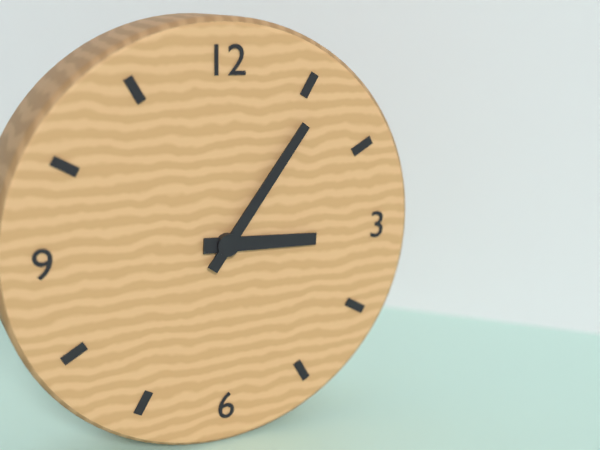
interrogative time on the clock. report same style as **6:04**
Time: **3:06**
